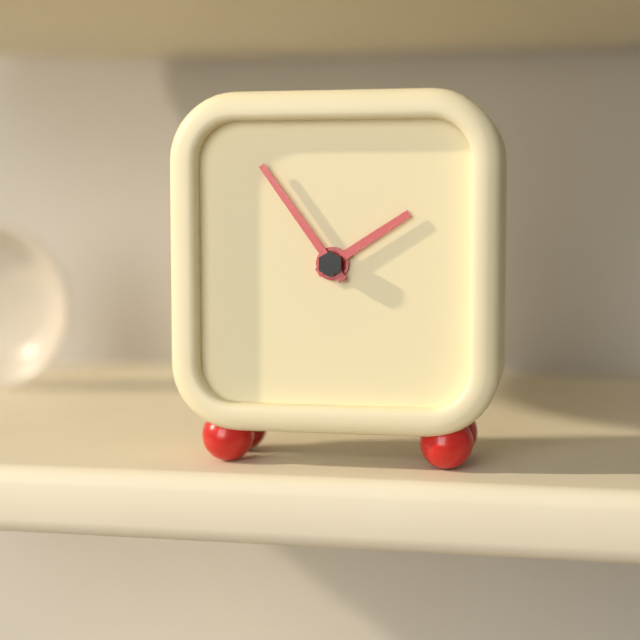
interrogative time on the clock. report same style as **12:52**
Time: **1:54**
